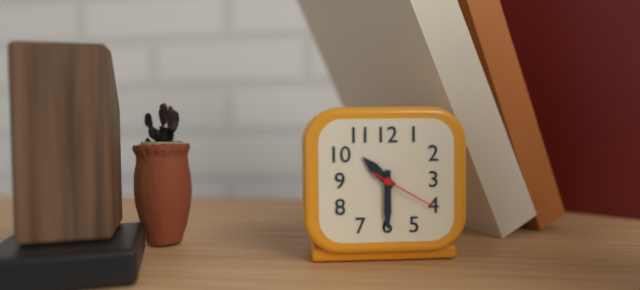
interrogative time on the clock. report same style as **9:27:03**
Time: **10:30:20**
